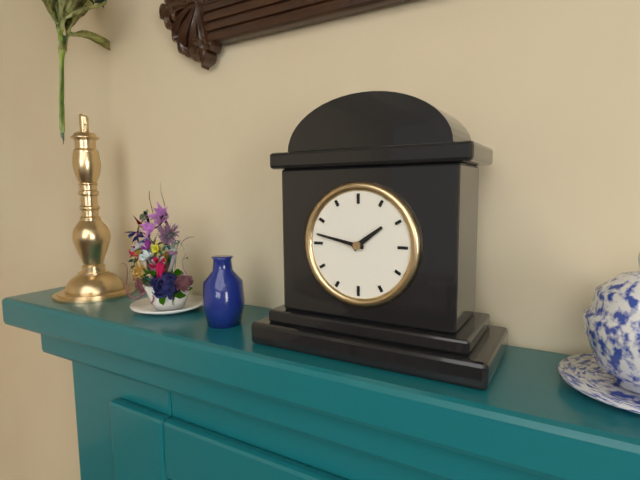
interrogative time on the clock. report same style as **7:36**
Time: **1:47**
